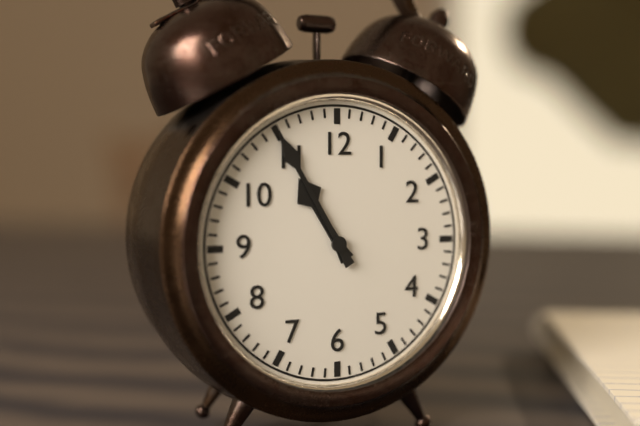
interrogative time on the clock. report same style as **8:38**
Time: **10:55**
